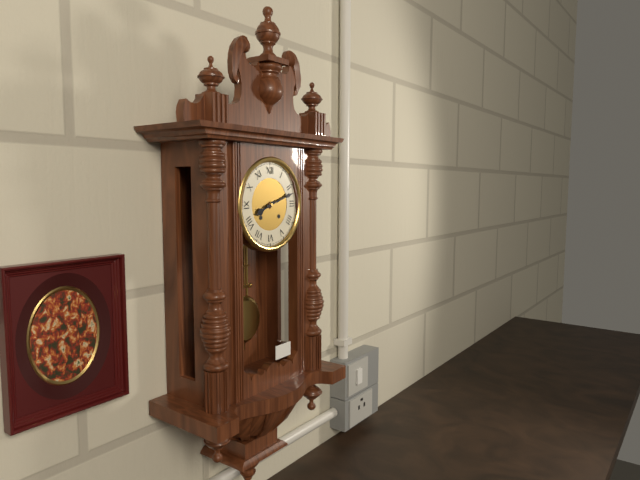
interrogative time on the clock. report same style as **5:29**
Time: **8:12**
